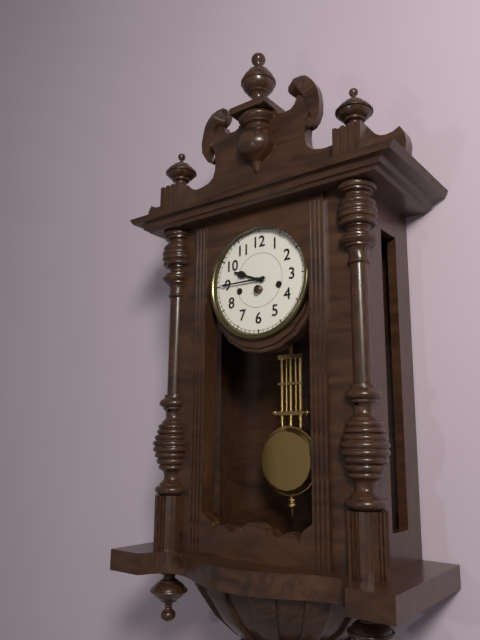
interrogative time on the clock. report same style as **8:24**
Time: **9:45**
